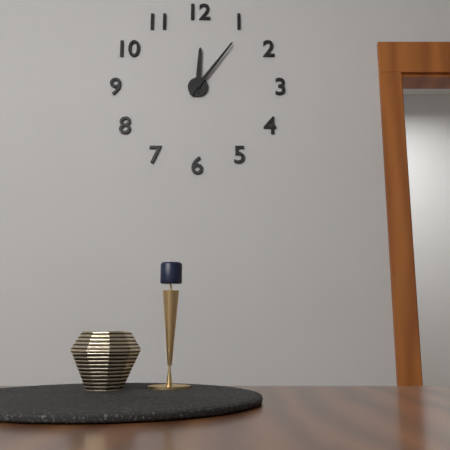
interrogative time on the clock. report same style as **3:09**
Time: **12:06**
